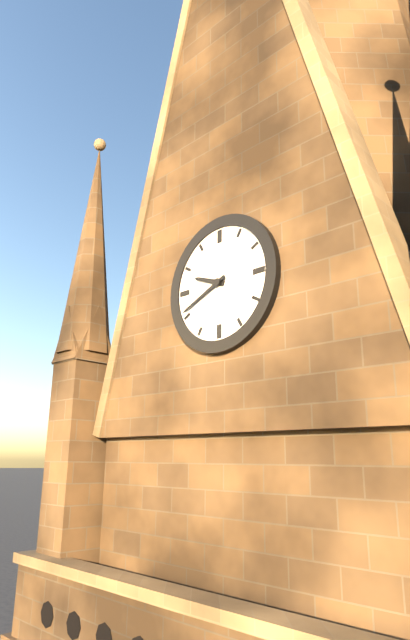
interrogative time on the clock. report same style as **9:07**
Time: **9:41**
